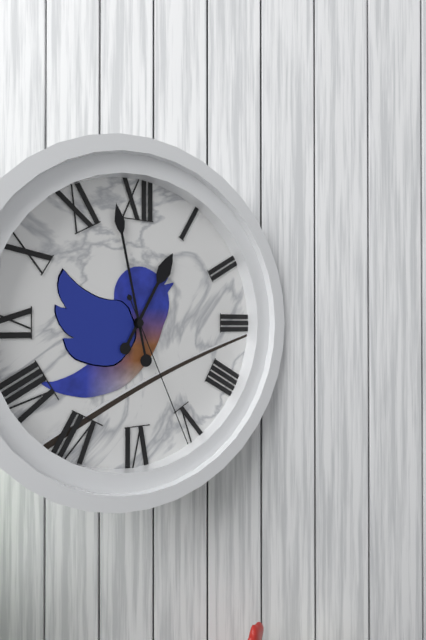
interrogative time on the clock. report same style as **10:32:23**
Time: **12:58:26**
